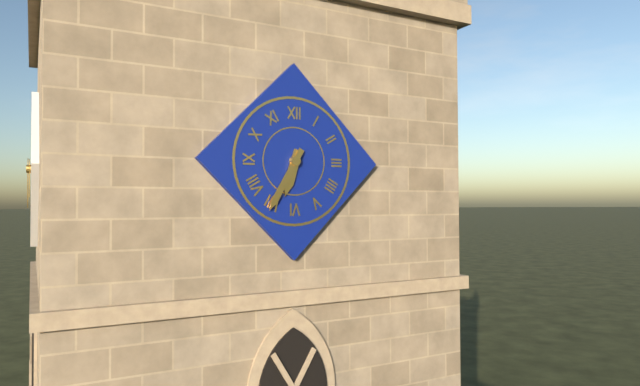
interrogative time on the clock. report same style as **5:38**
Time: **6:35**
